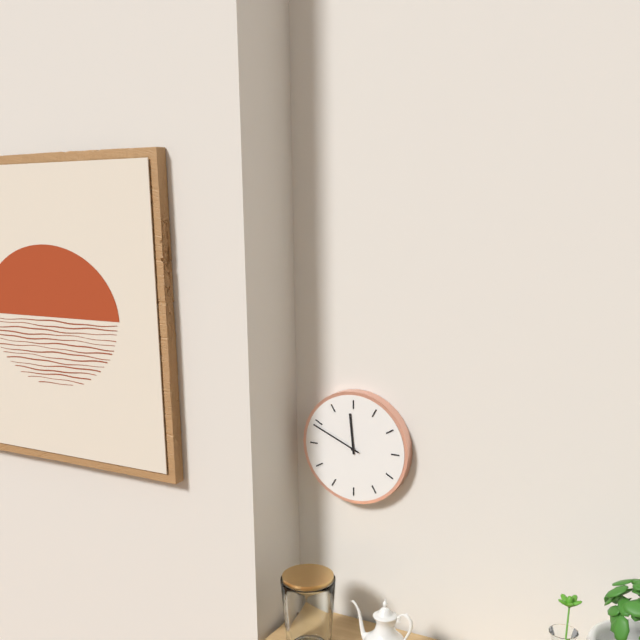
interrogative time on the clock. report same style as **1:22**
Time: **11:49**
